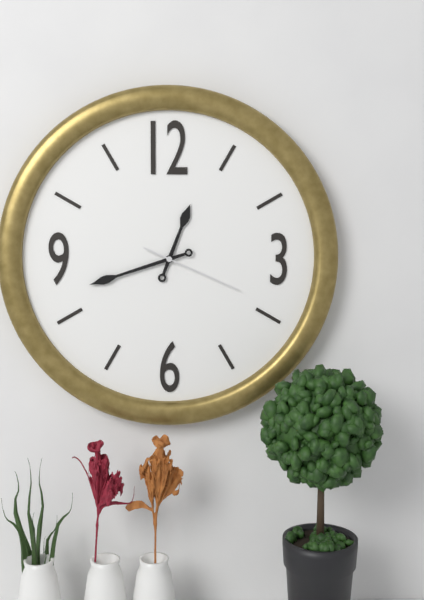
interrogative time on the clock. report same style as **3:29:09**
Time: **12:42:19**
